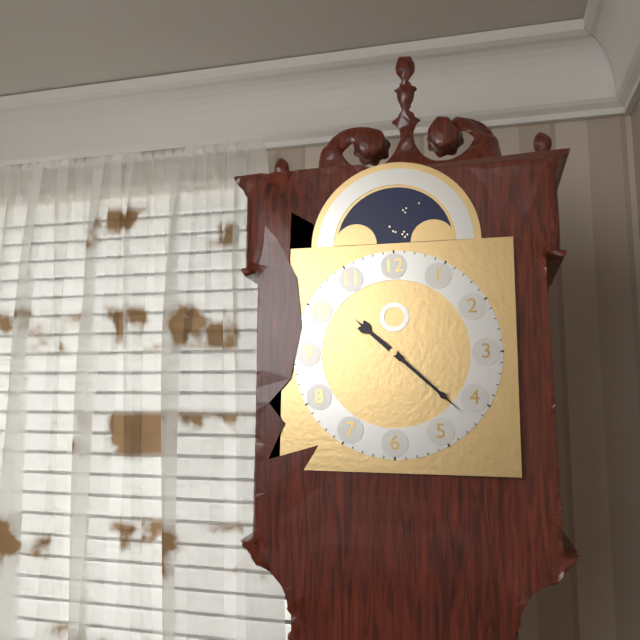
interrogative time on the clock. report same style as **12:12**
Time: **10:22**
